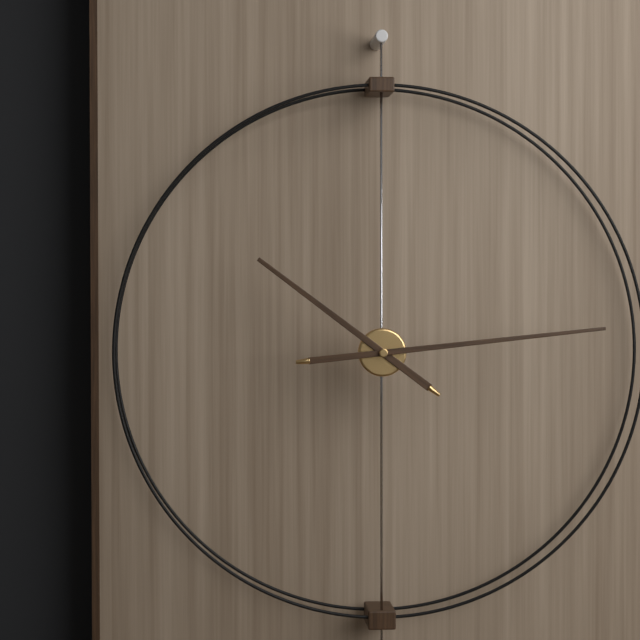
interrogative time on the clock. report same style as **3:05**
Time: **10:14**
